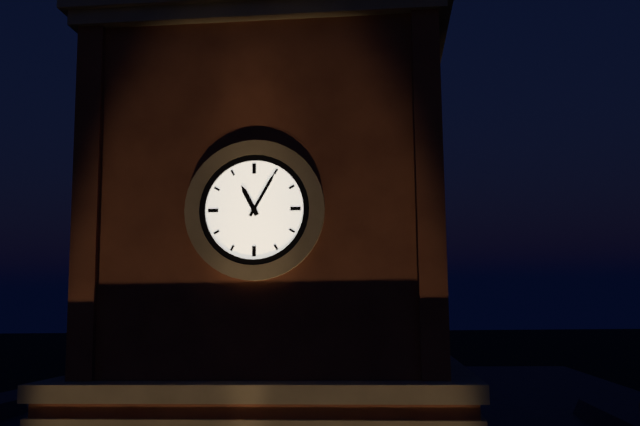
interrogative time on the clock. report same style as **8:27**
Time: **11:05**
